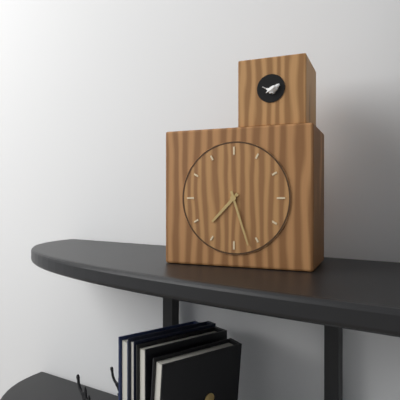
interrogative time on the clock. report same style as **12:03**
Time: **7:27**
